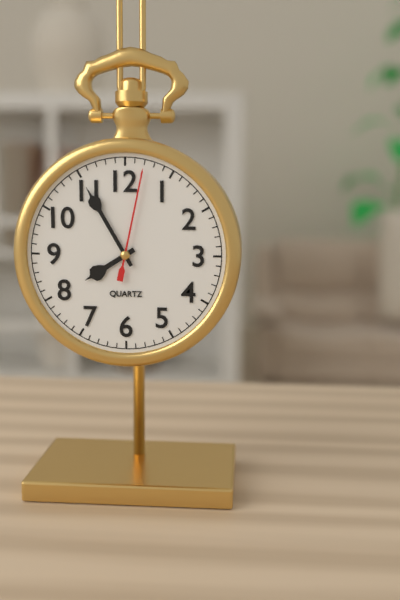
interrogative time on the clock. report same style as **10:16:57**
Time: **7:55:02**
